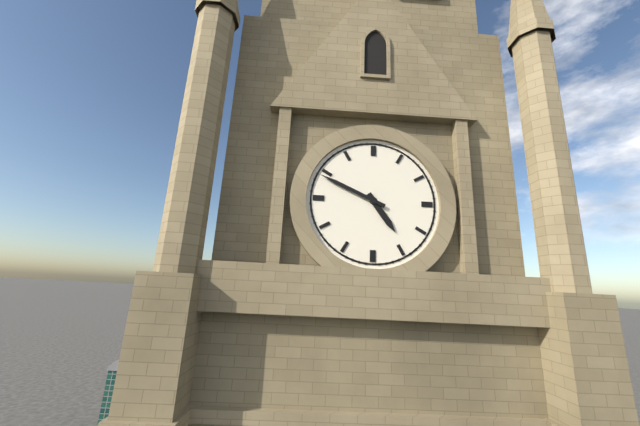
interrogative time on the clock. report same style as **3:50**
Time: **4:49**
